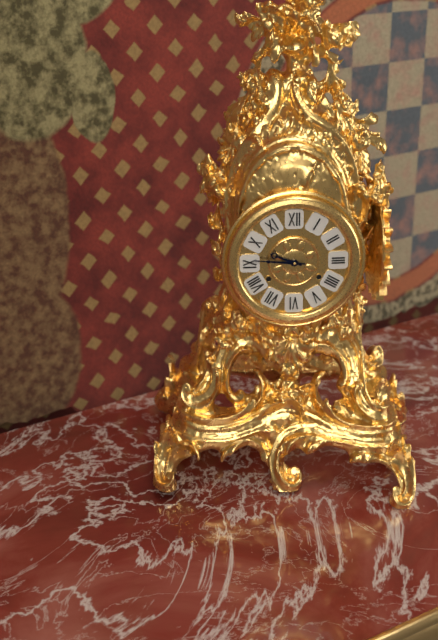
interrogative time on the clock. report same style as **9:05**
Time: **9:46**
